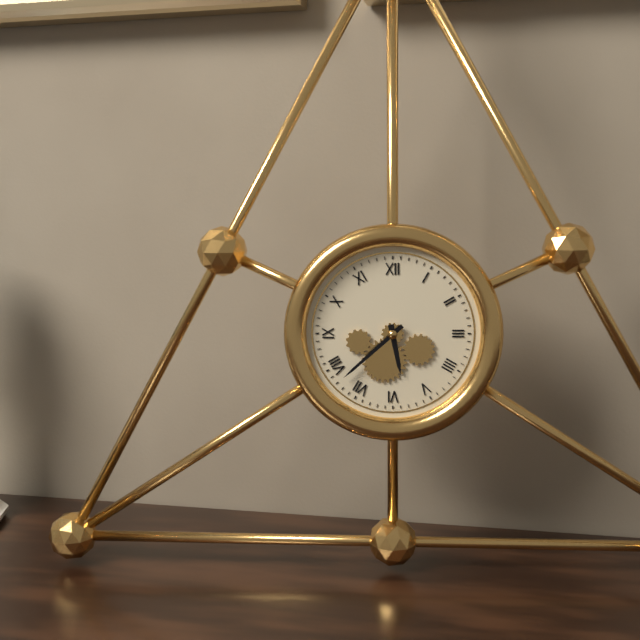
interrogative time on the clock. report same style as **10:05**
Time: **5:38**
